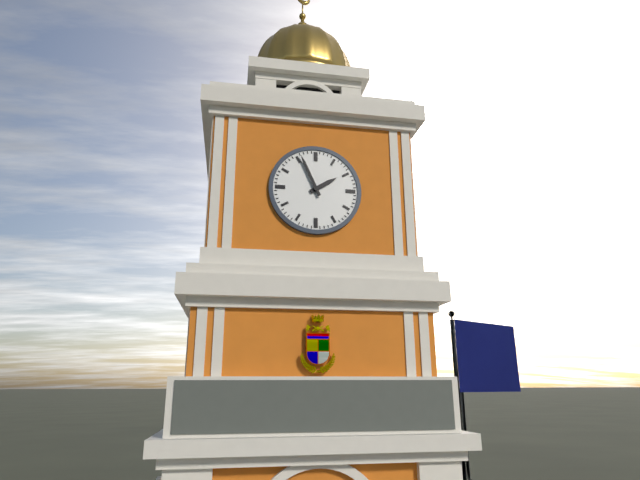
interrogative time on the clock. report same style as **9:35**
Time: **1:56**
